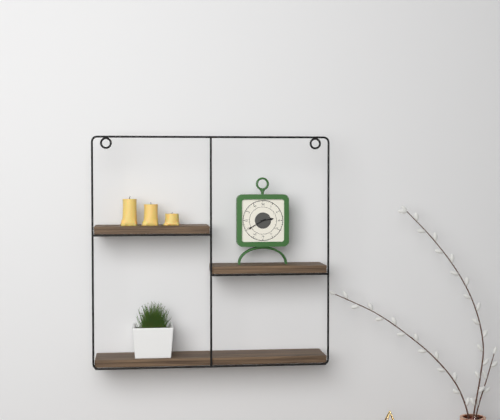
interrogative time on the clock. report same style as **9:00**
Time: **2:40**
